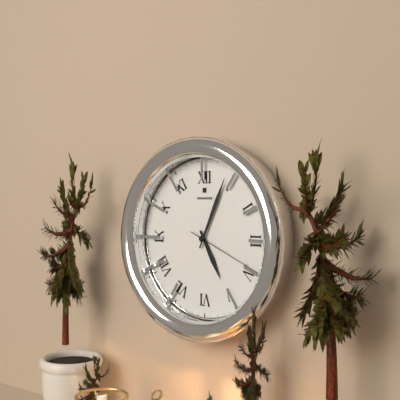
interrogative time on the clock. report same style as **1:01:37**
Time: **5:04:19**
